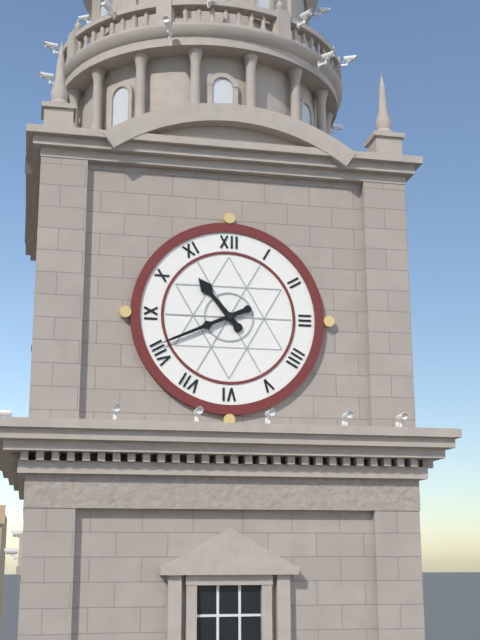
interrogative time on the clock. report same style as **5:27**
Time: **10:41**
